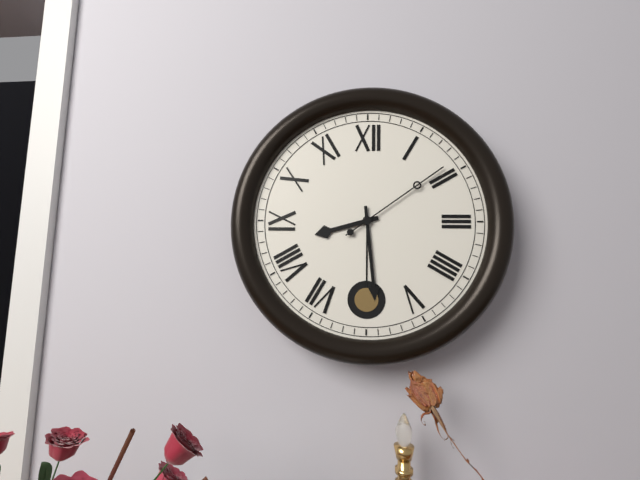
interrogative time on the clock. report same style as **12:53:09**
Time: **8:29:09**
